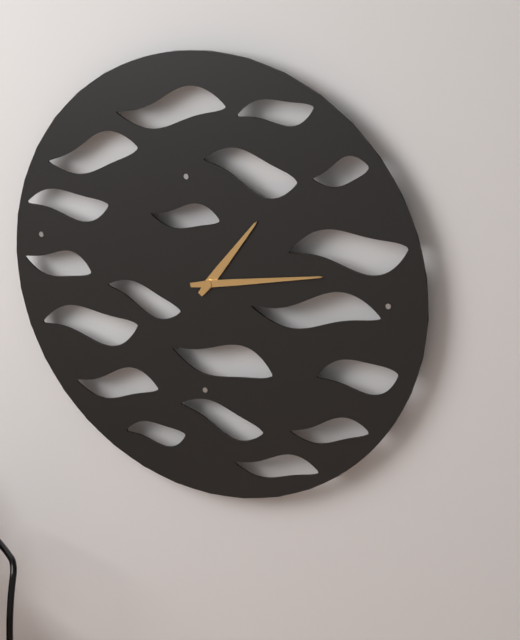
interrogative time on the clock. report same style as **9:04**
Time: **1:13**
